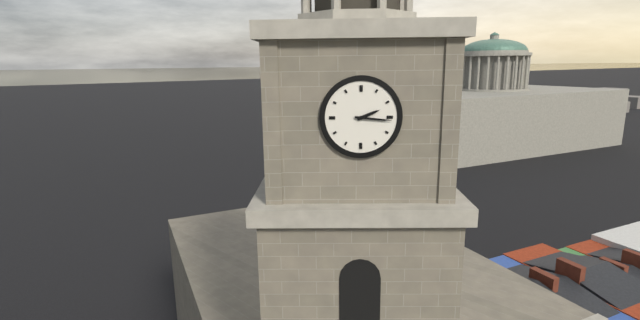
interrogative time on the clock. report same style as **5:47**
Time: **2:16**
